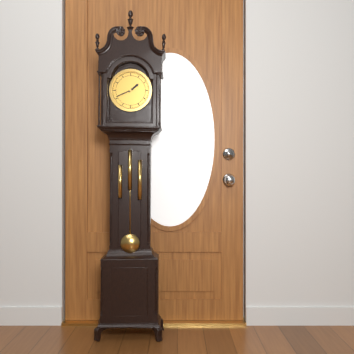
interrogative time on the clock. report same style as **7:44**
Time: **1:41**
